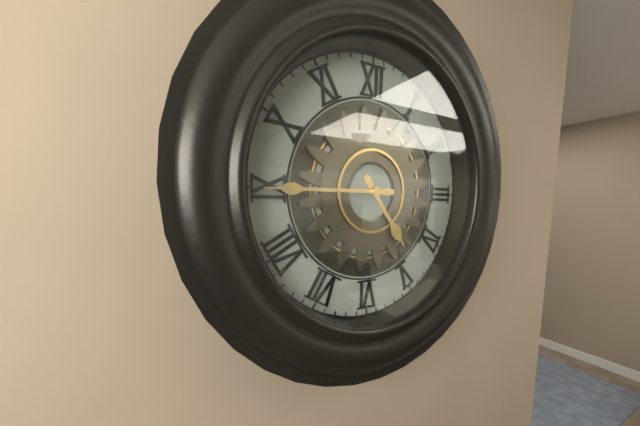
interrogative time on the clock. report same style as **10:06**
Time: **4:45**
